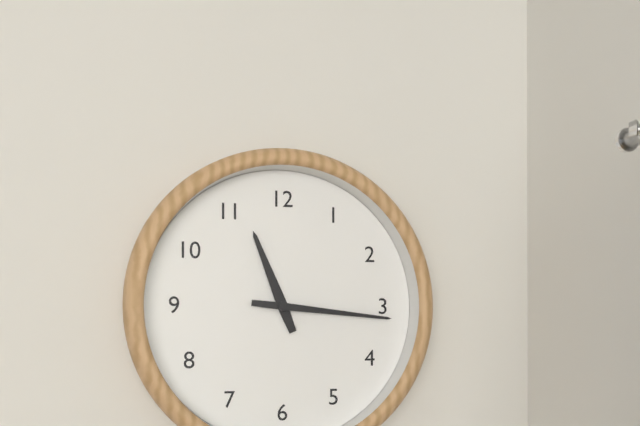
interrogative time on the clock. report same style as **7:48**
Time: **11:16**
